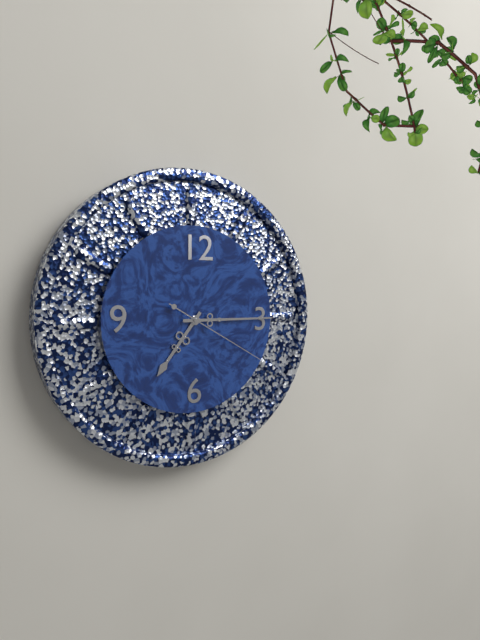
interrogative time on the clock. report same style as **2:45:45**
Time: **7:15:20**
